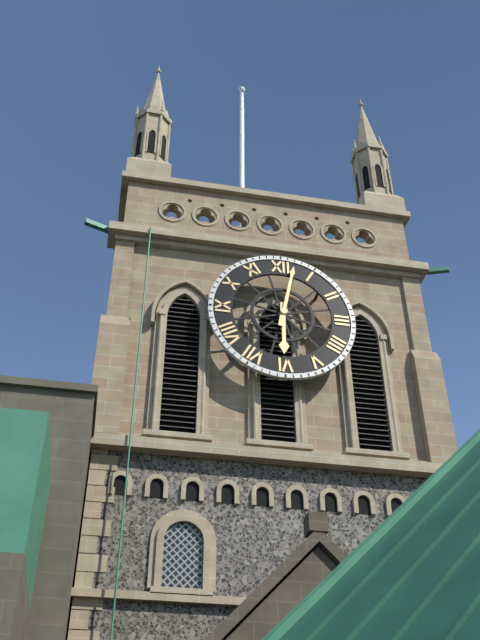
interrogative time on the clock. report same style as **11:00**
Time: **6:02**
